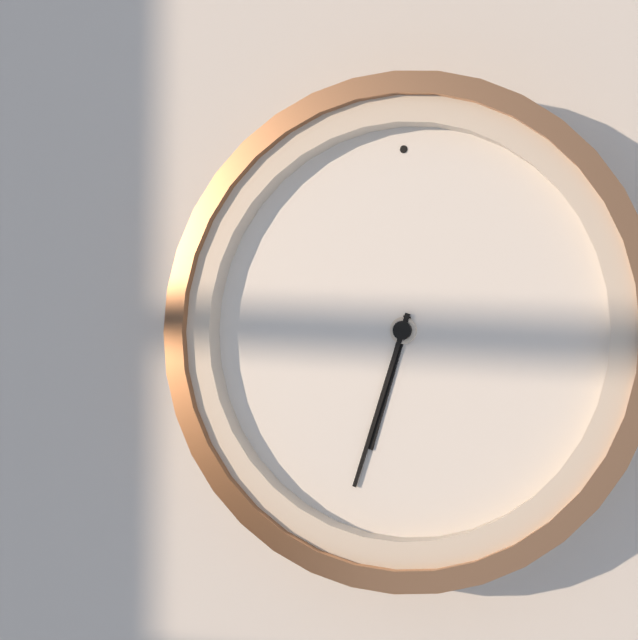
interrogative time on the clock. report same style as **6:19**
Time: **6:33**
